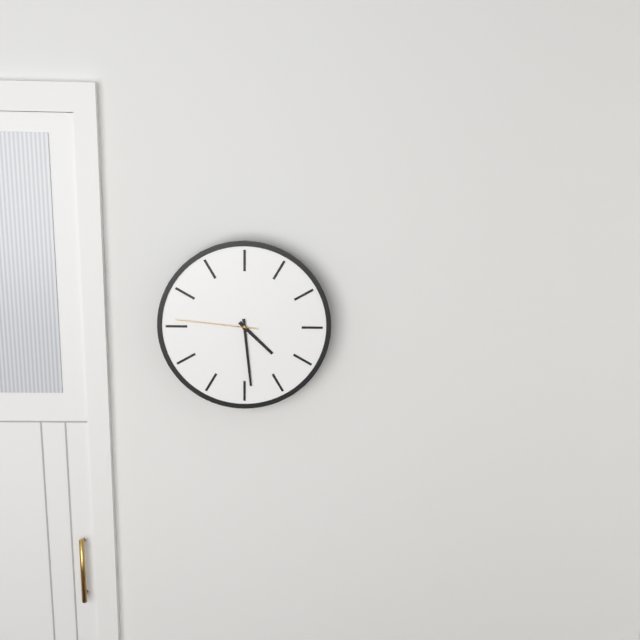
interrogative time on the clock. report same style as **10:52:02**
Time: **4:29:46**
